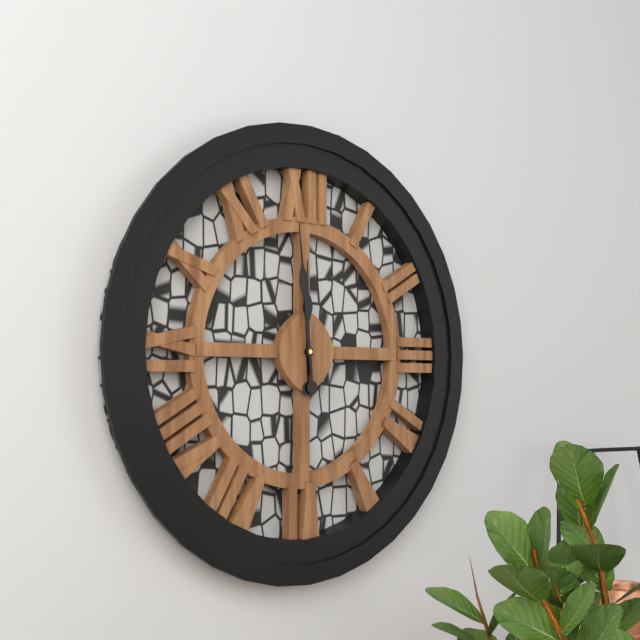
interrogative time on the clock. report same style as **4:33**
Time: **11:59**
